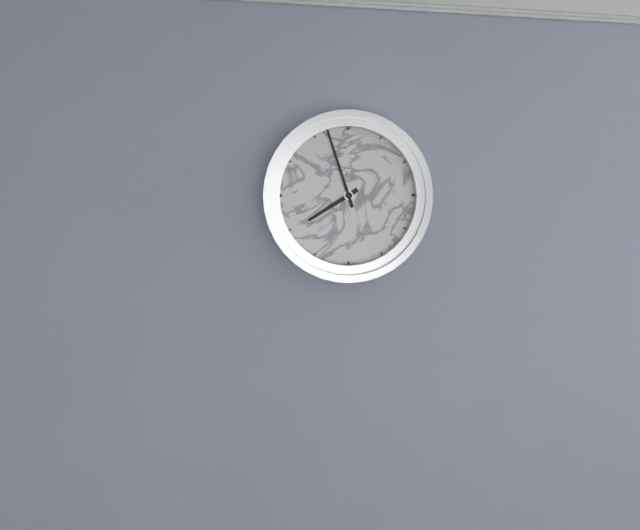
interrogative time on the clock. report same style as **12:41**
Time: **7:57**
